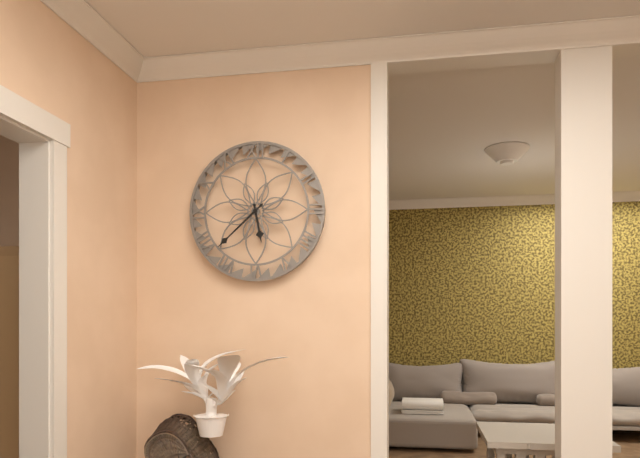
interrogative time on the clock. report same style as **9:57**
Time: **5:38**
